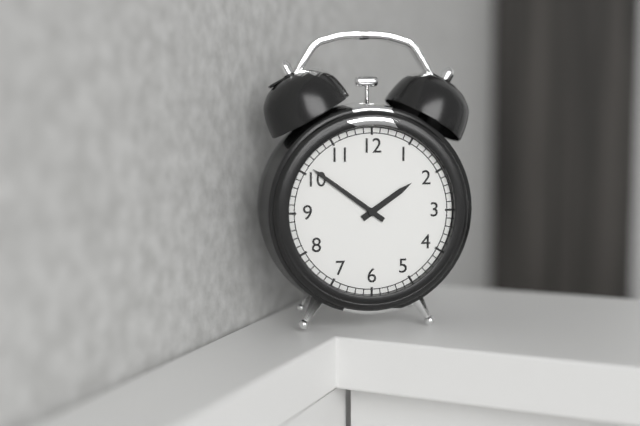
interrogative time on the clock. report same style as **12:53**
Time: **1:51**
